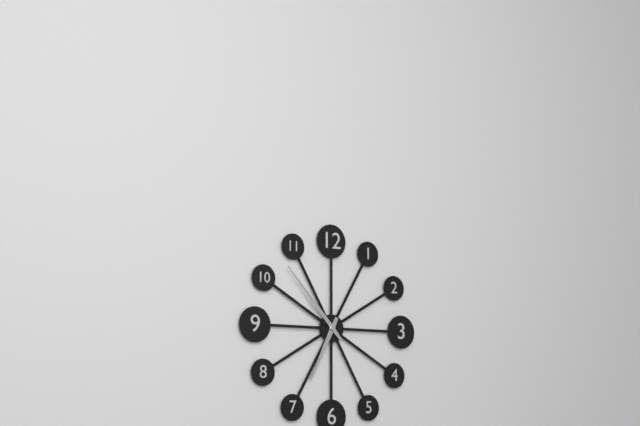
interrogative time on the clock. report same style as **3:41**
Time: **6:53**
